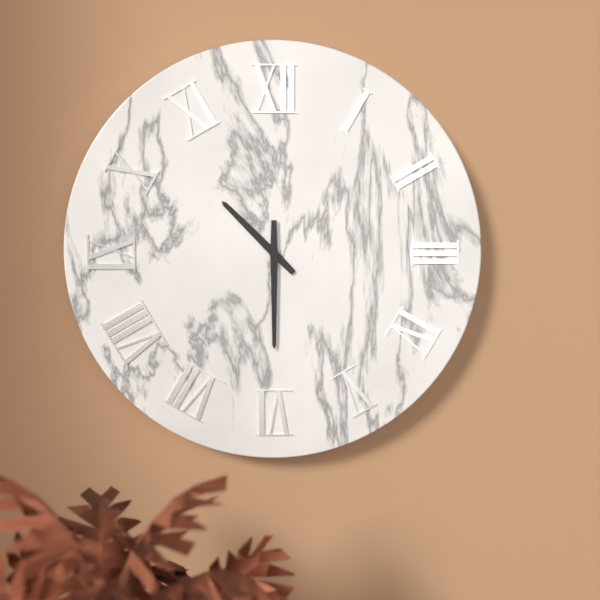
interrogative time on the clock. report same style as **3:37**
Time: **10:30**
